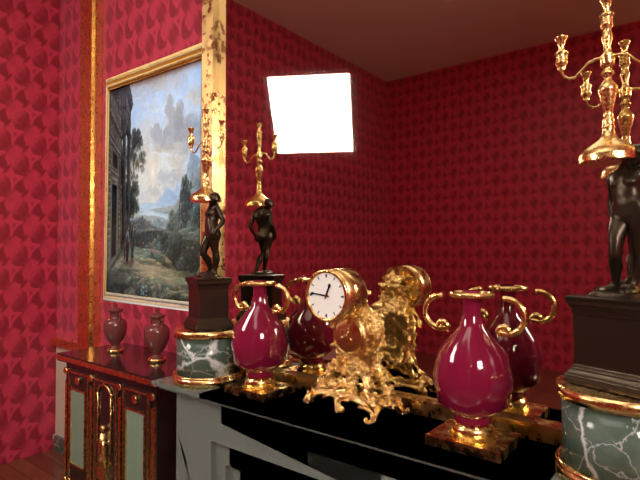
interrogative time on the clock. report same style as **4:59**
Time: **12:46**
